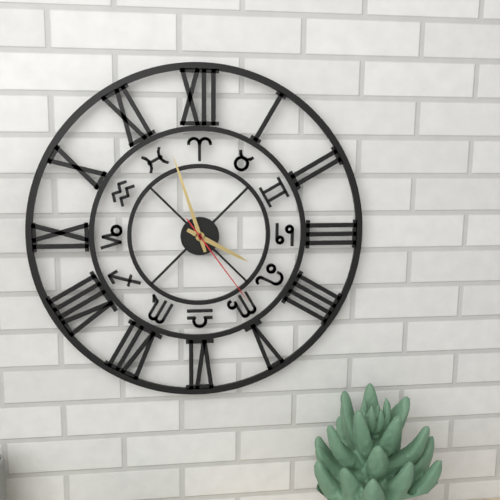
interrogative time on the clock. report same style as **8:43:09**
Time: **3:57:24**
